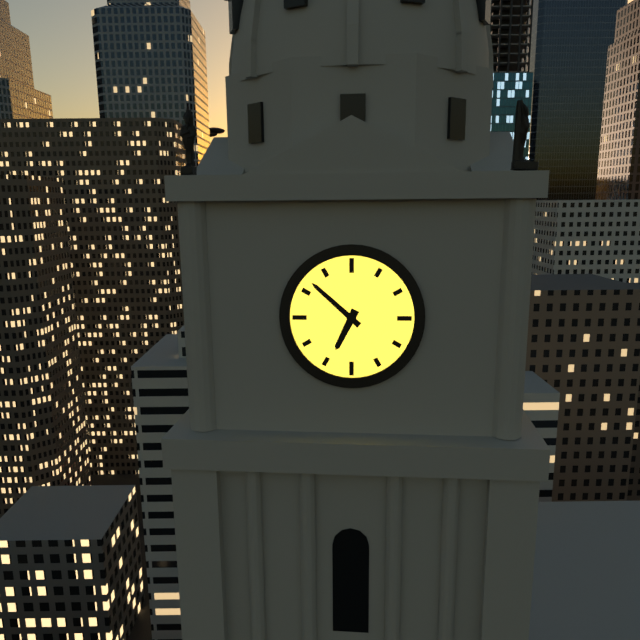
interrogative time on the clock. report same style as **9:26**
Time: **6:52**
